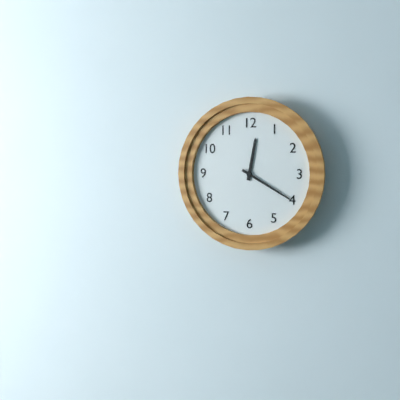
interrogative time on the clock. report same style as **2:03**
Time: **12:20**
